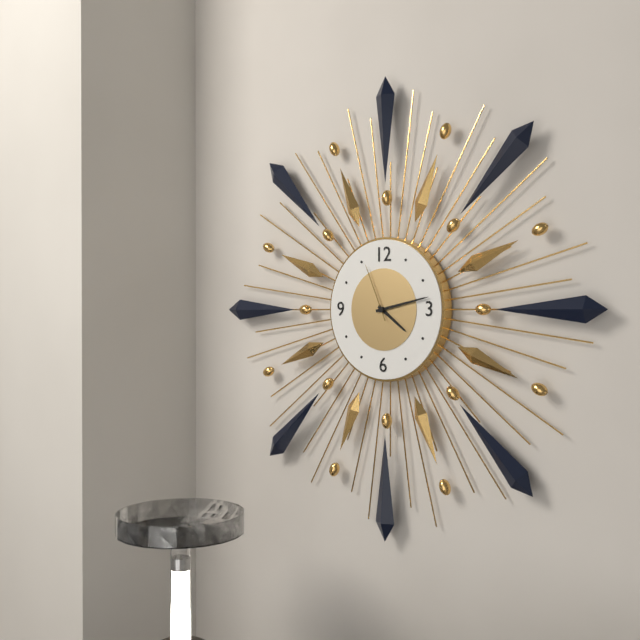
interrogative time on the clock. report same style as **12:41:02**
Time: **4:13:56**
